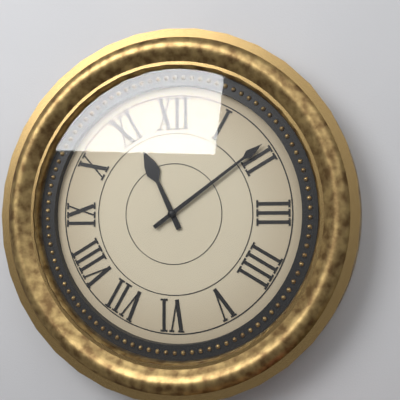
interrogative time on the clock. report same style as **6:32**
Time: **11:09**
